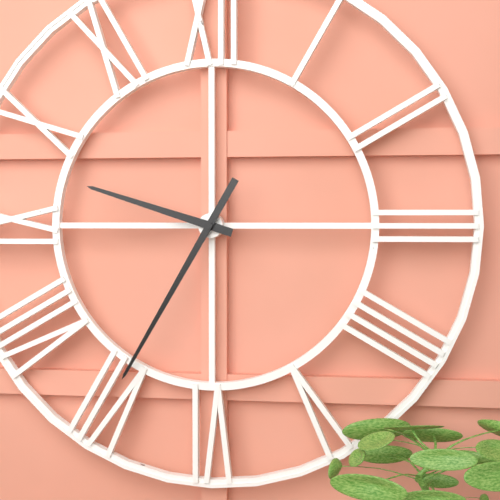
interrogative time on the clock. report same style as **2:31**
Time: **9:35**
